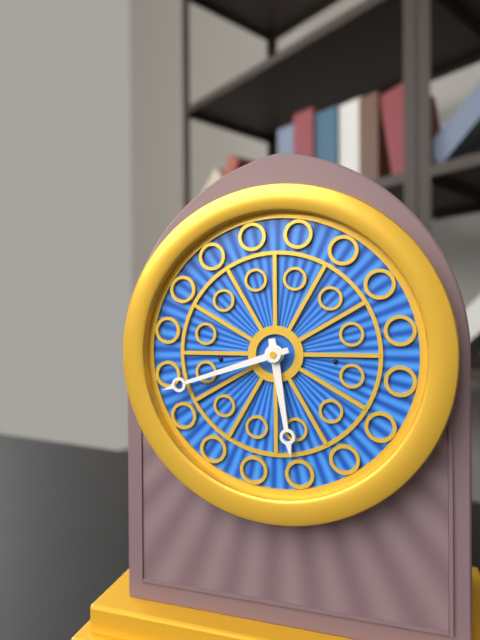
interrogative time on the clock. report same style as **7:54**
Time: **5:42**
